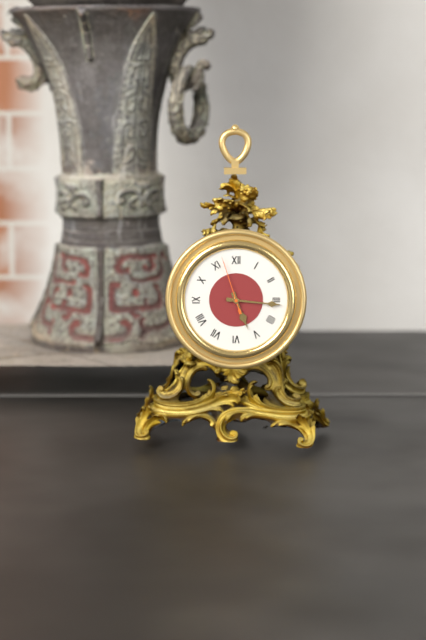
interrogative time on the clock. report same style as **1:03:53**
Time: **5:16:57**
